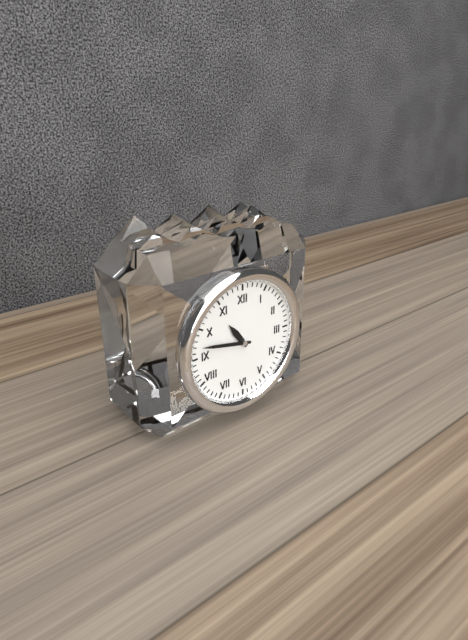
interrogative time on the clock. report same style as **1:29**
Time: **10:47**
